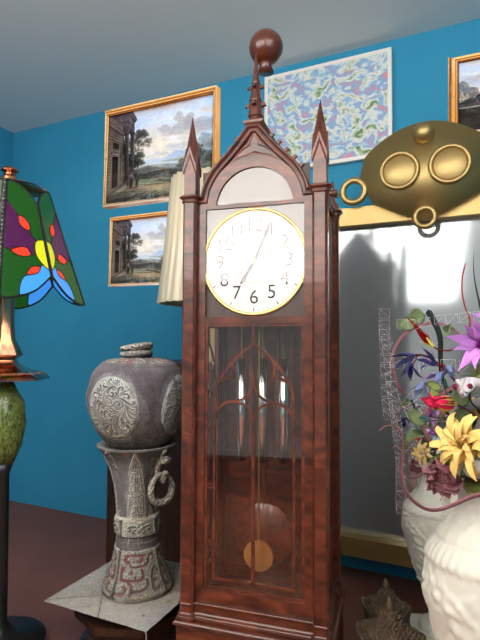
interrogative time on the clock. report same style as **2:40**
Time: **7:04**
